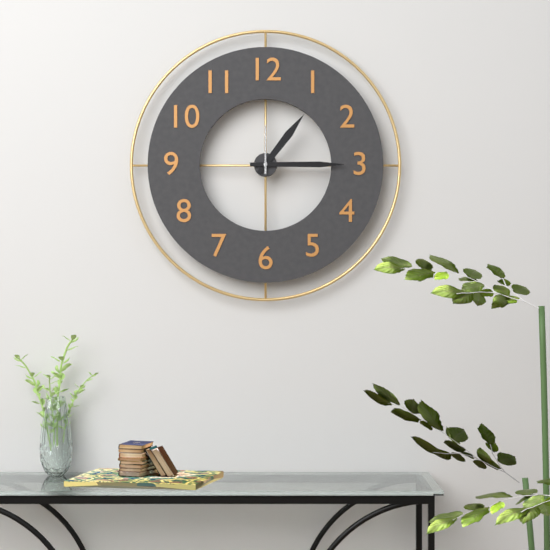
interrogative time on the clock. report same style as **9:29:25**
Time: **1:15:00**
